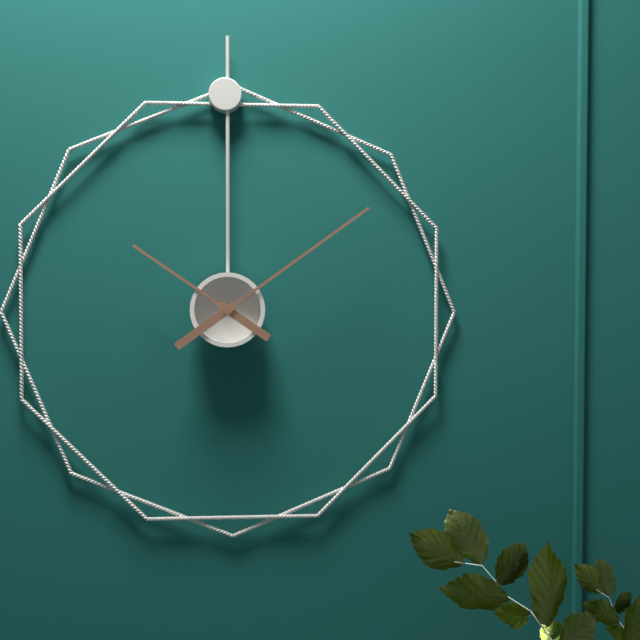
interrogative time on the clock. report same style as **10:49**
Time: **10:09**
